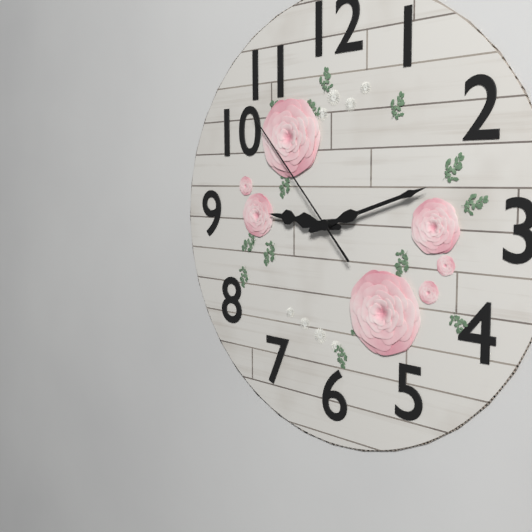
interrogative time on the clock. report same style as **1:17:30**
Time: **9:12:53**
